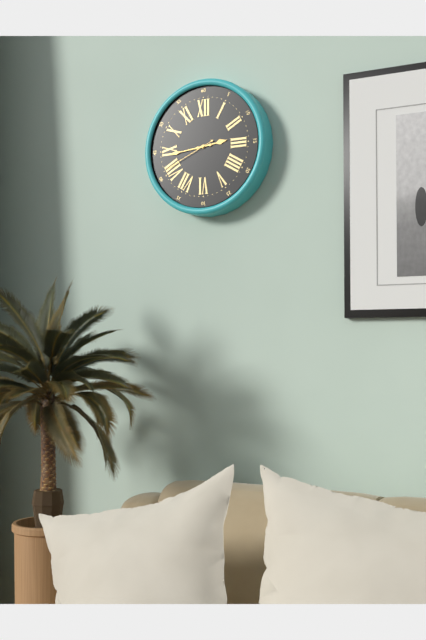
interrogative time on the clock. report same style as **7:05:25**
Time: **2:44:41**
